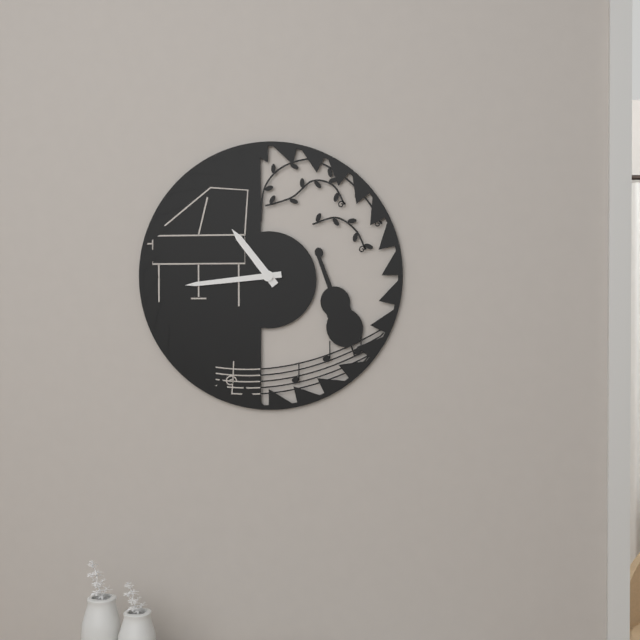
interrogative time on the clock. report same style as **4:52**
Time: **10:44**
